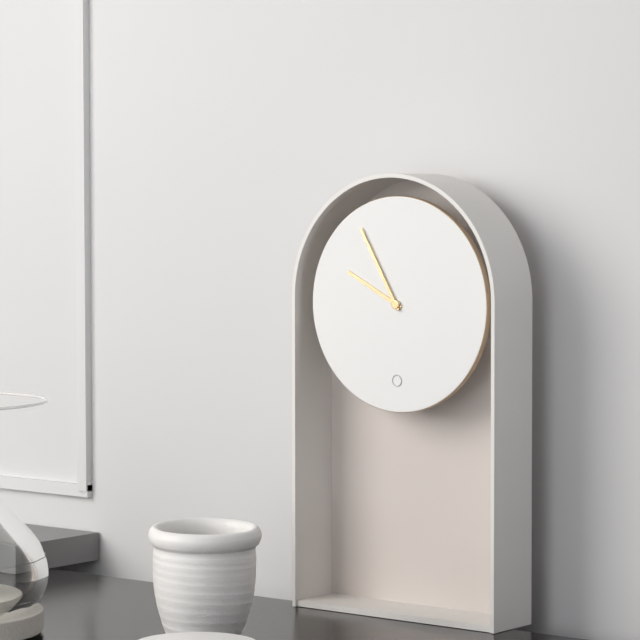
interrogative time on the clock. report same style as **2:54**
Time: **9:55**
